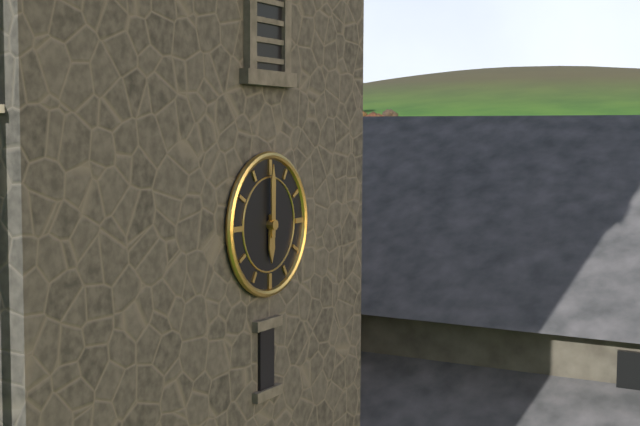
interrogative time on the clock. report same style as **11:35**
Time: **6:00**
